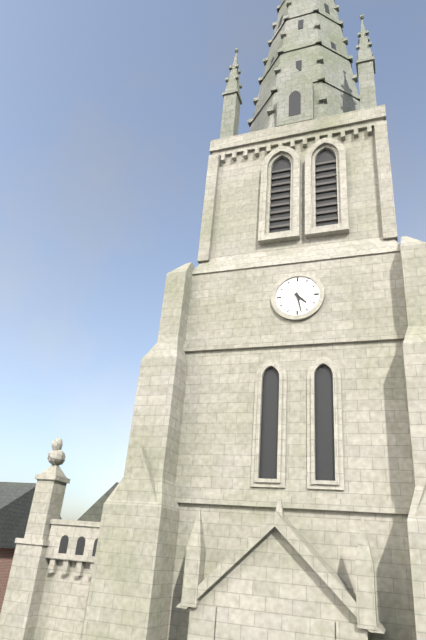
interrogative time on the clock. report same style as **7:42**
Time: **4:28**
